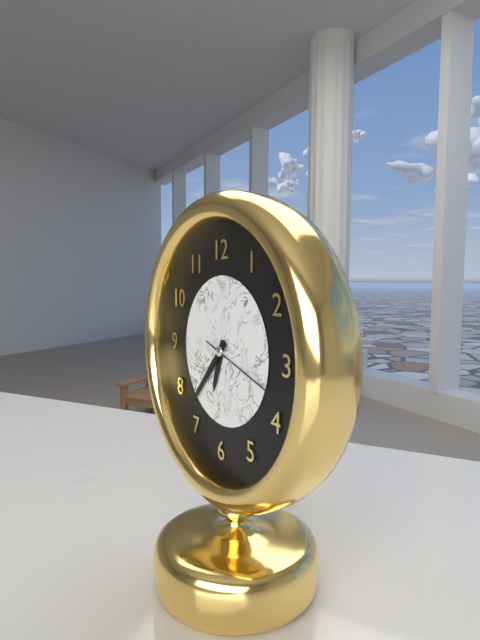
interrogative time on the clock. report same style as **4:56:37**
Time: **6:37:18**
